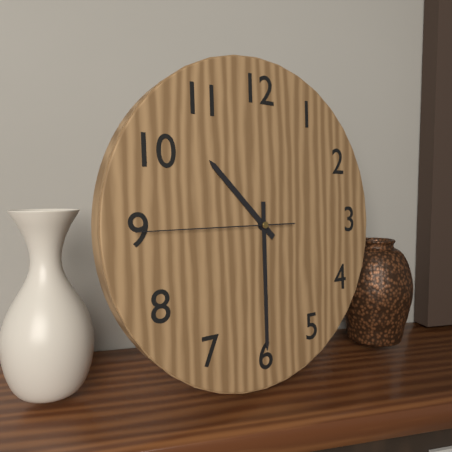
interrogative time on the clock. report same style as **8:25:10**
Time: **10:30:45**
